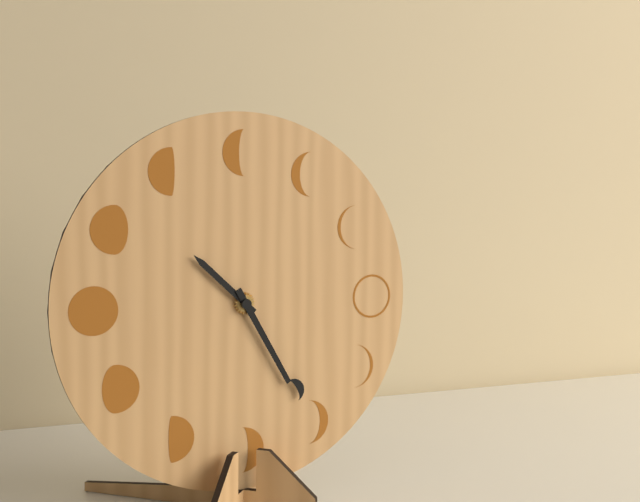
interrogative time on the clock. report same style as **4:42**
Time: **10:25**
